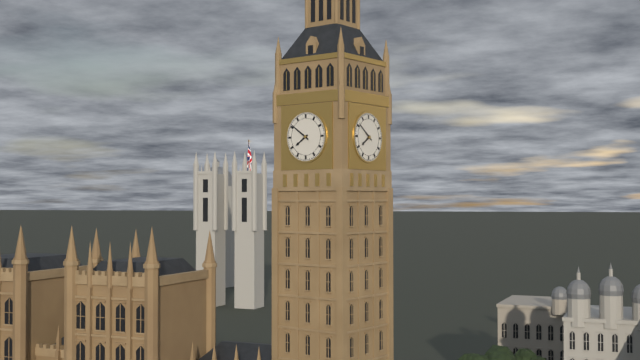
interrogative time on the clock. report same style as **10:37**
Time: **7:51**
